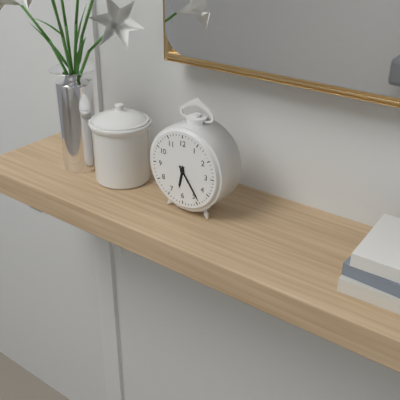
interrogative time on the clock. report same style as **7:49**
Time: **6:24**
